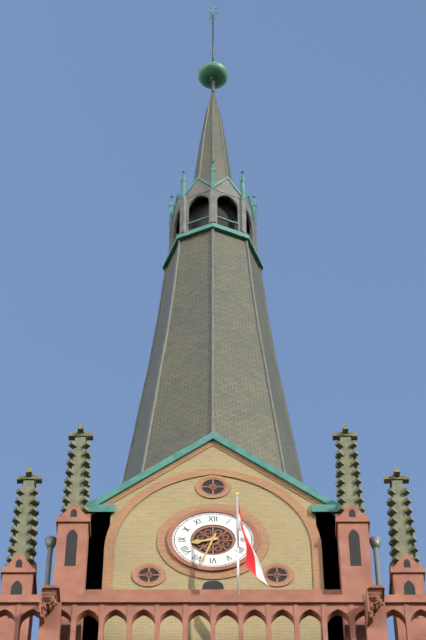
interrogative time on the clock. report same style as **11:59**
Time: **8:33**
